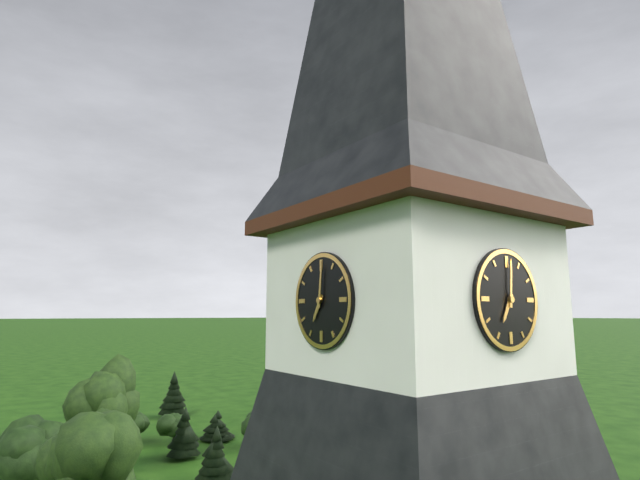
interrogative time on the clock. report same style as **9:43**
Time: **7:01**
